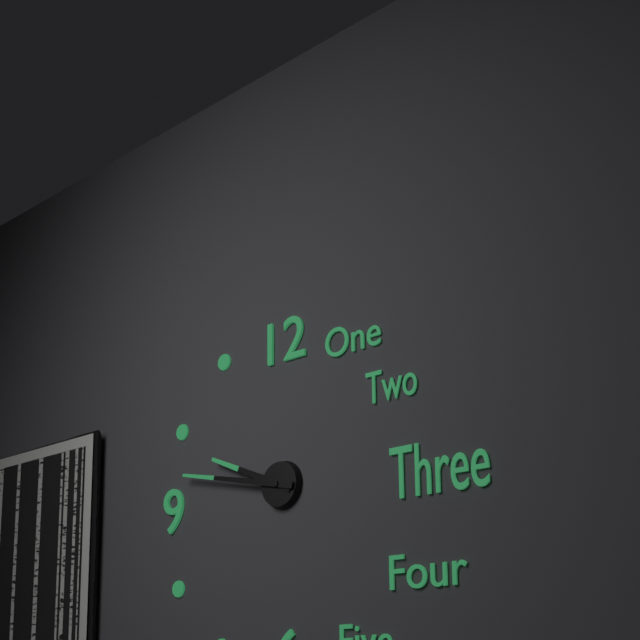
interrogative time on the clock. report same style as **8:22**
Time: **9:47**
